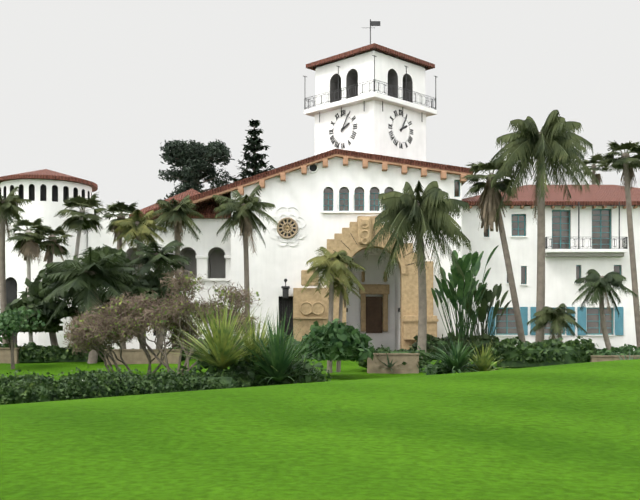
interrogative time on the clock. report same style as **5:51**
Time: **2:05**
